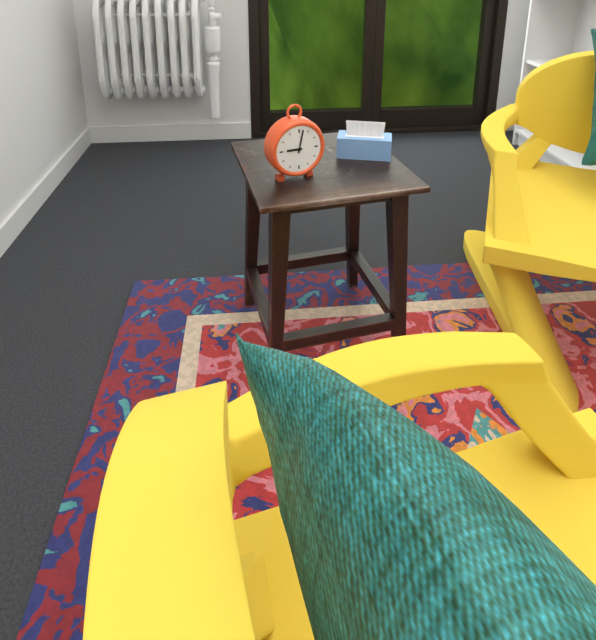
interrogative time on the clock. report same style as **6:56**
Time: **9:02**
